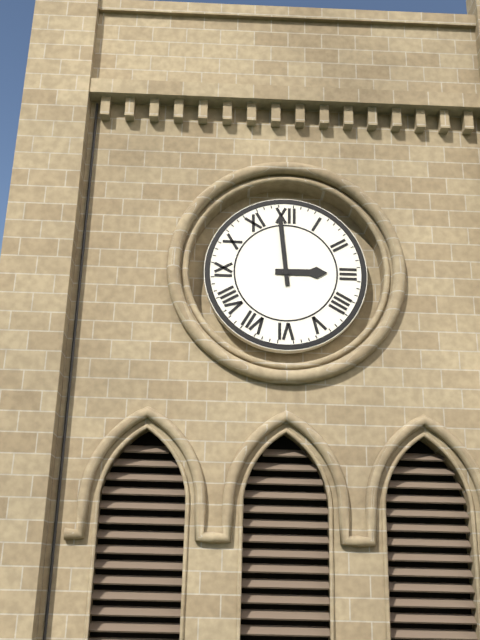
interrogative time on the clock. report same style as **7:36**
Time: **2:59**
